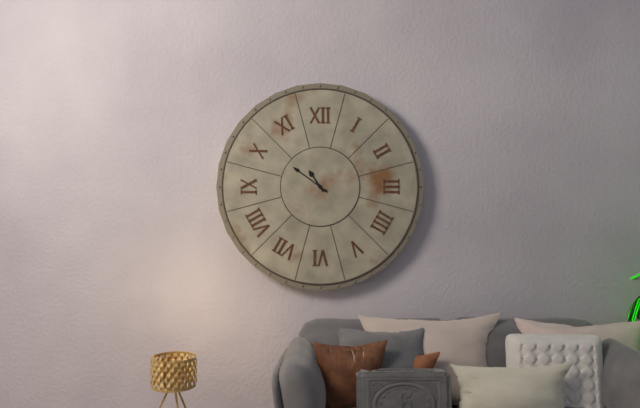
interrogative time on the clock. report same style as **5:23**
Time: **10:51**
